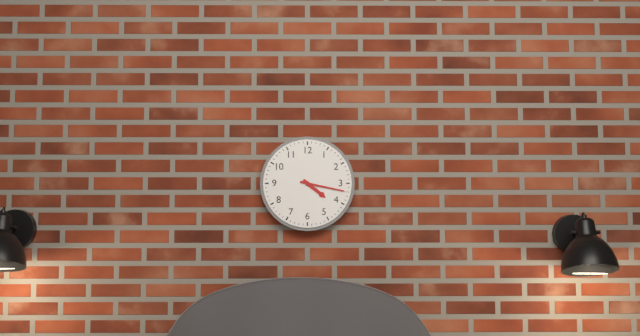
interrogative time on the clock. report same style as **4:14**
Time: **4:17**
